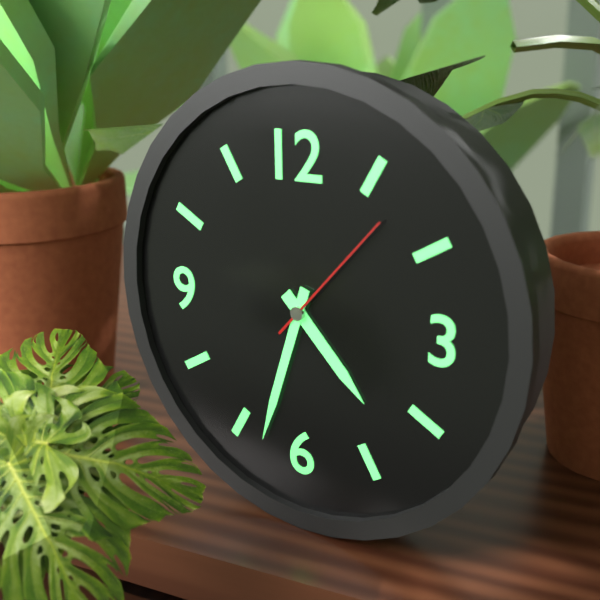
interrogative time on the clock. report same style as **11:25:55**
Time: **4:33:07**
